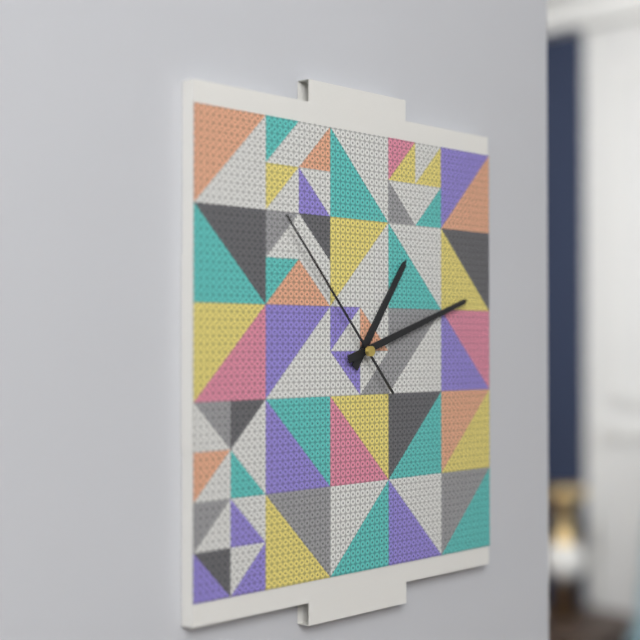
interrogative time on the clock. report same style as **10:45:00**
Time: **1:12:53**
